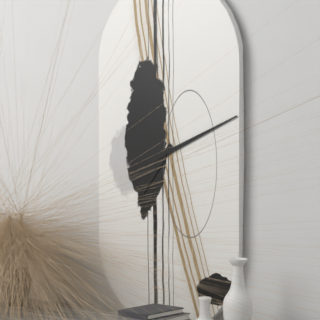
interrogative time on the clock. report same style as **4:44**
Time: **7:11**
